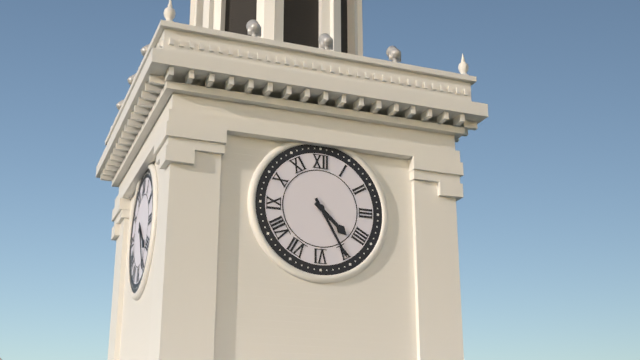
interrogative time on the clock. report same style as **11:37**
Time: **4:25**
